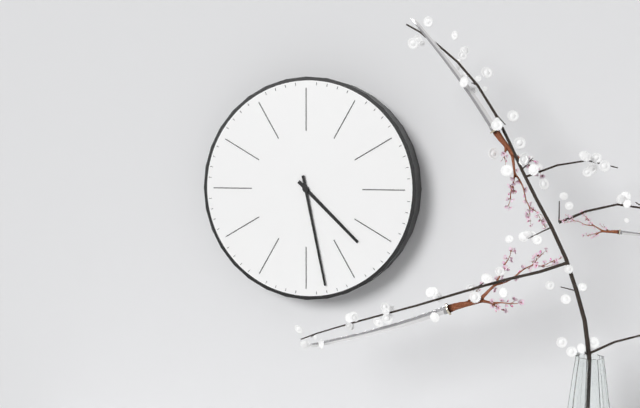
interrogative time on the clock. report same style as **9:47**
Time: **4:28**
